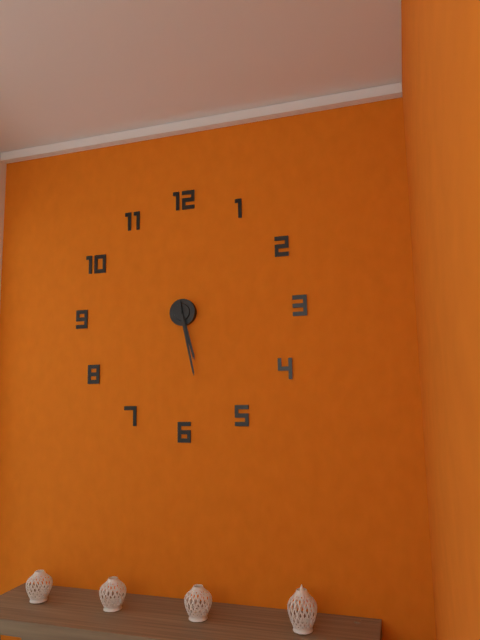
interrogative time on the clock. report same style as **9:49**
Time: **5:28**
